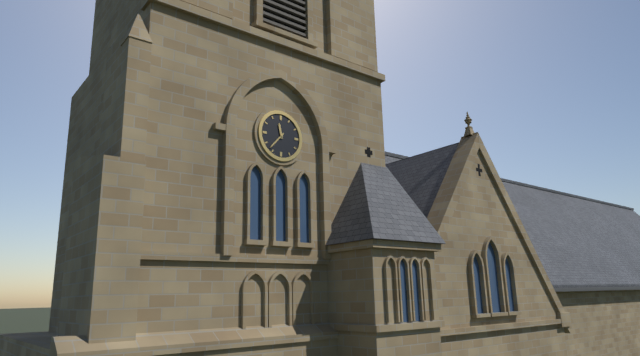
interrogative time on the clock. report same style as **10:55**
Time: **11:37**
